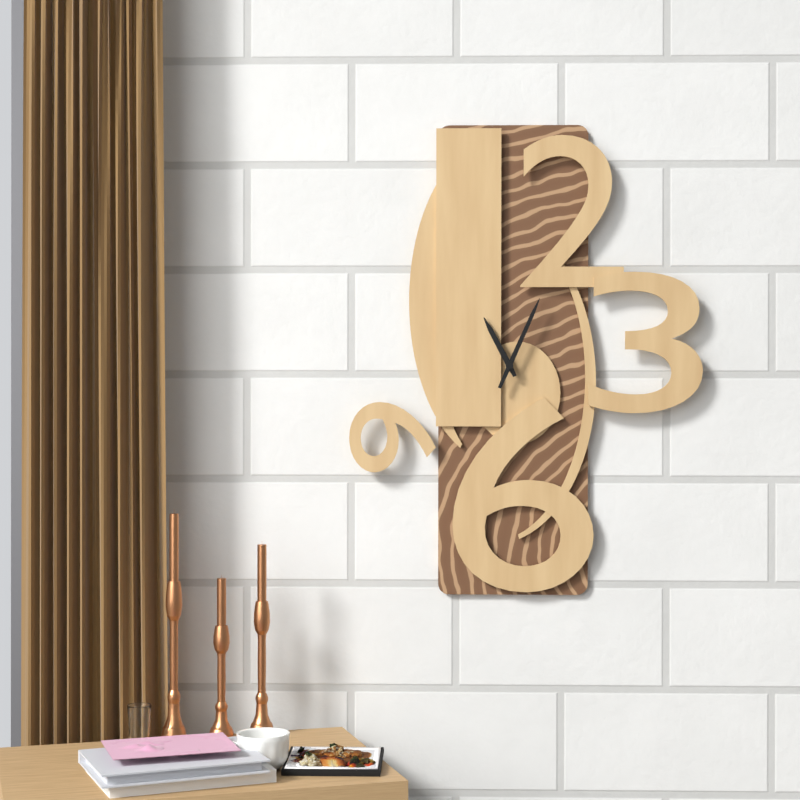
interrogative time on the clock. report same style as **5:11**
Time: **11:04**
